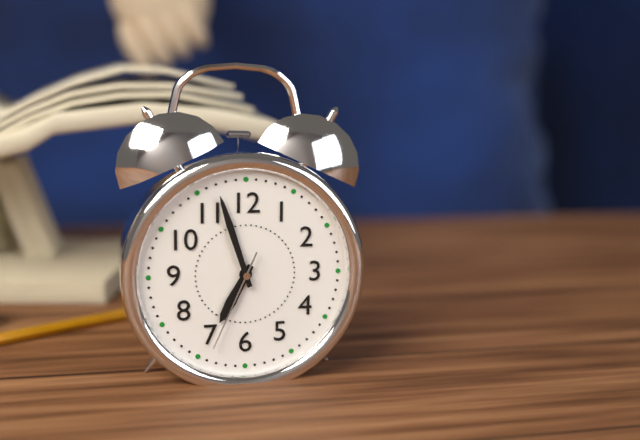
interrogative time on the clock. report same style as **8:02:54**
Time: **6:57:34**
